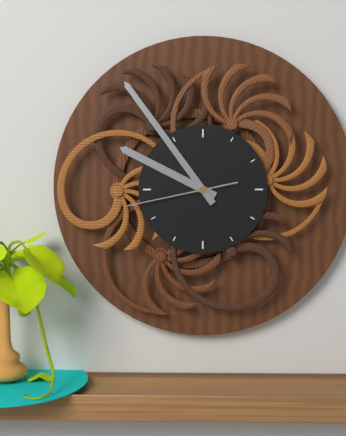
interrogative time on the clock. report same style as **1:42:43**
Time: **9:54:43**
